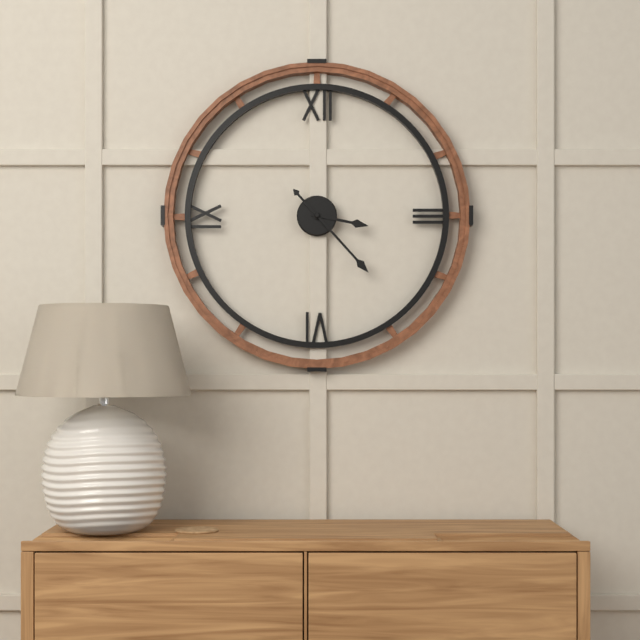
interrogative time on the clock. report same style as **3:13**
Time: **3:23**
